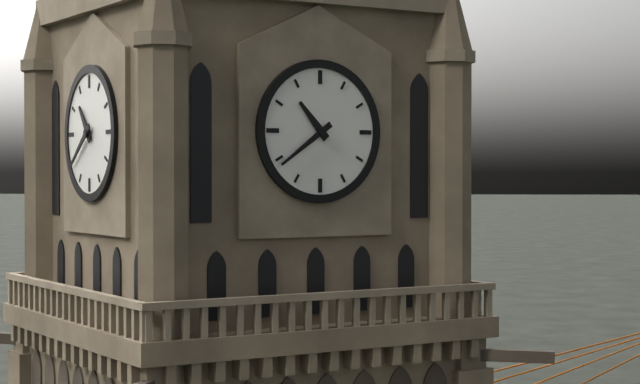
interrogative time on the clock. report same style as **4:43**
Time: **10:39**
